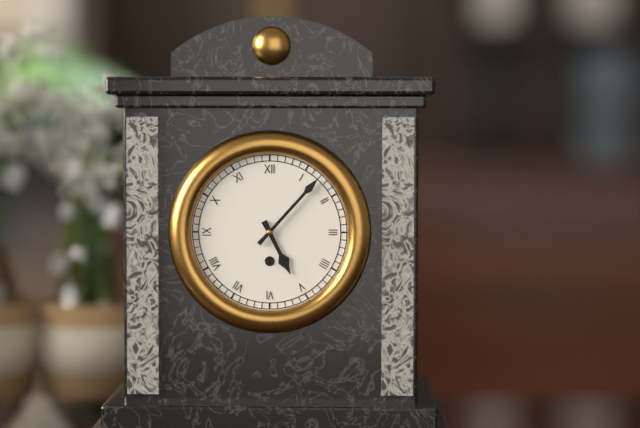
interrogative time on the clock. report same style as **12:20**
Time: **5:07**
